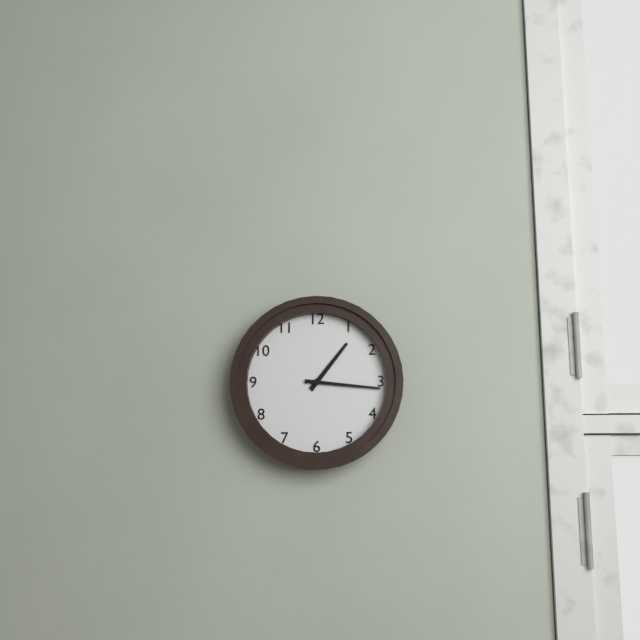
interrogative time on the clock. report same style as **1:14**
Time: **1:16**
